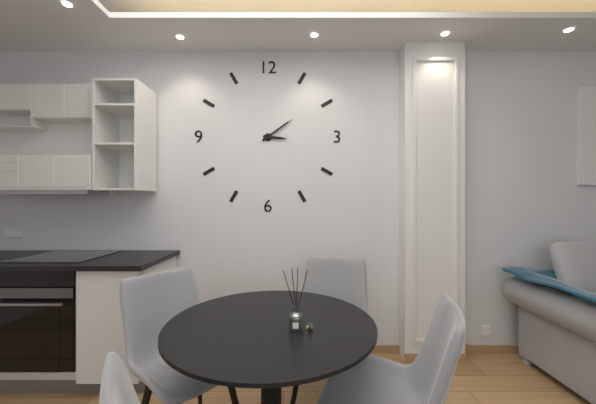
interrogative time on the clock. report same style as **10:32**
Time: **3:09**
